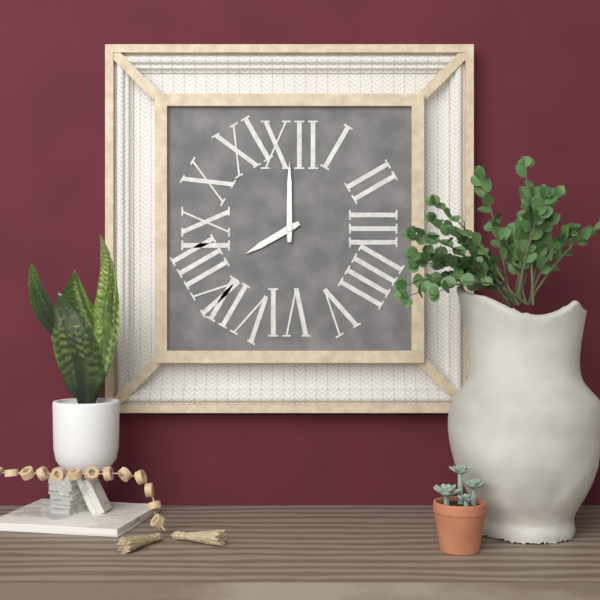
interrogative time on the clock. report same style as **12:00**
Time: **8:00**
